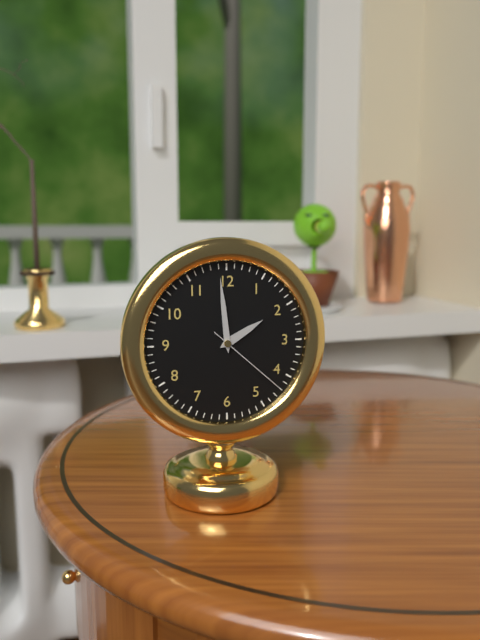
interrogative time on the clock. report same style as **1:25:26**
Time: **1:59:22**
